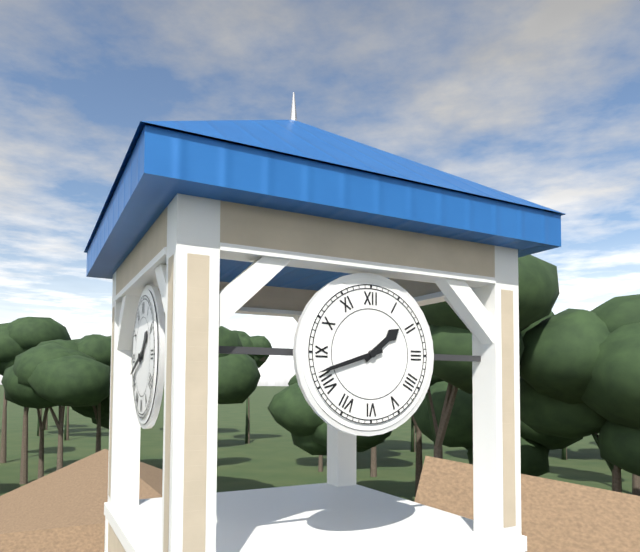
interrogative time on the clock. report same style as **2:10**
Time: **1:42**
